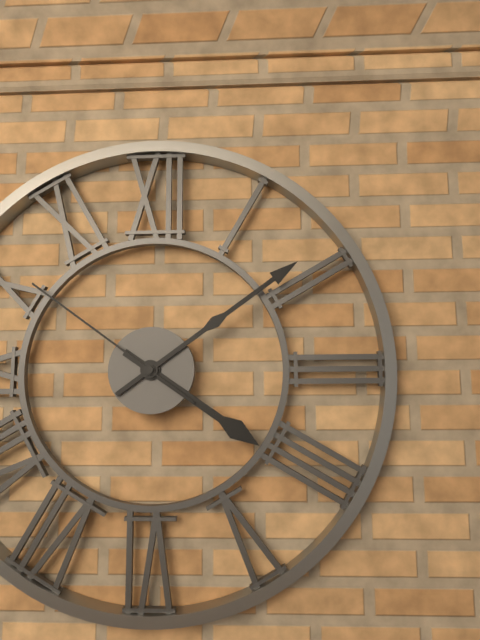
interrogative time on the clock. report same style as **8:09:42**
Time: **4:09:51**
